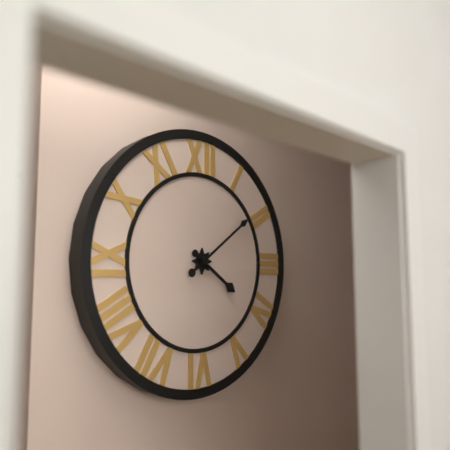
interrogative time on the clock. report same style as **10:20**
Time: **4:09**
